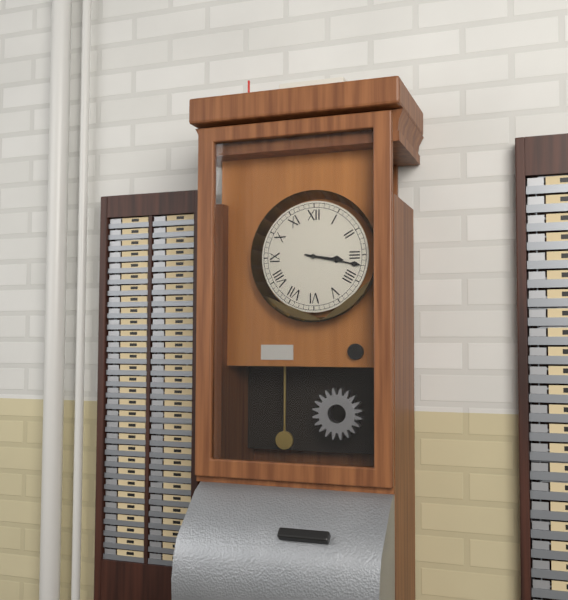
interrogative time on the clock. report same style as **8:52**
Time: **3:17**
